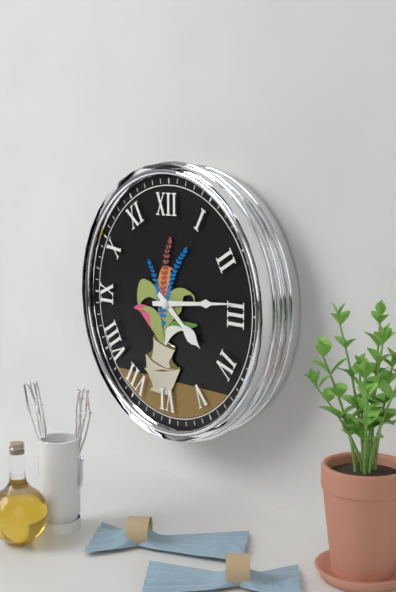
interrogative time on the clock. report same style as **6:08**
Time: **4:14**
